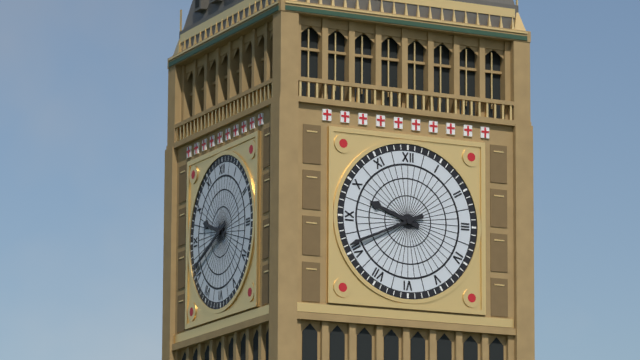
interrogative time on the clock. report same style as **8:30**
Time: **9:41**
